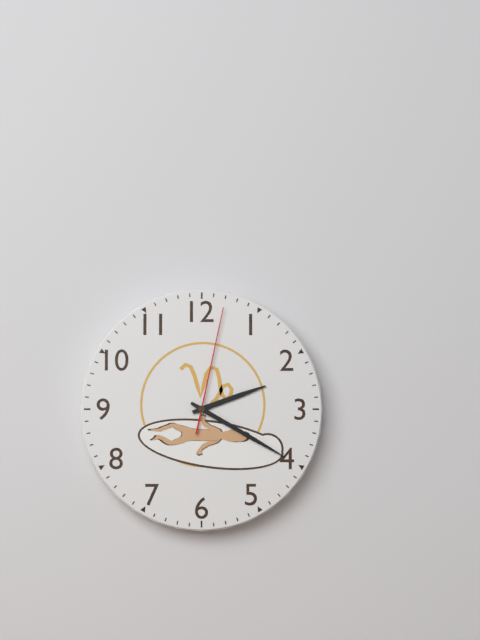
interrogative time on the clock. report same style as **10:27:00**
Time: **2:20:02**
